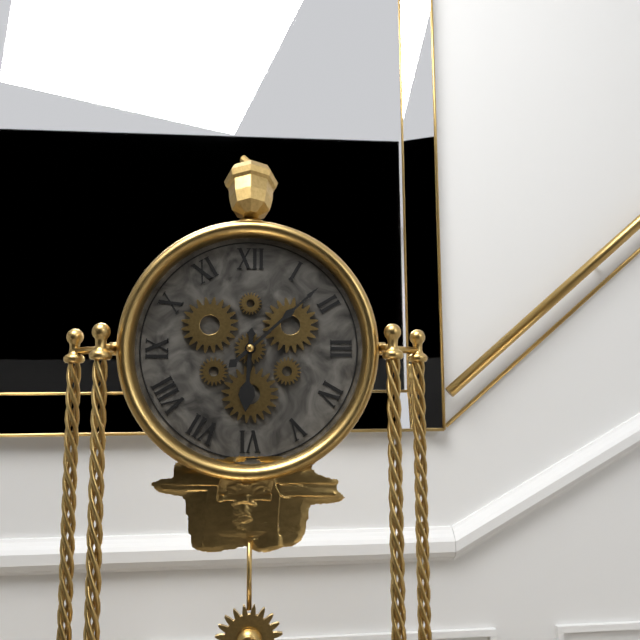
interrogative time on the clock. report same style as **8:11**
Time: **6:08**
